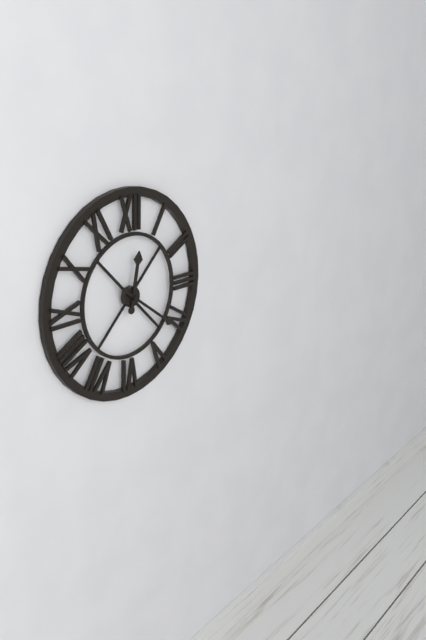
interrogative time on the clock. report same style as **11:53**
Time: **12:21**
